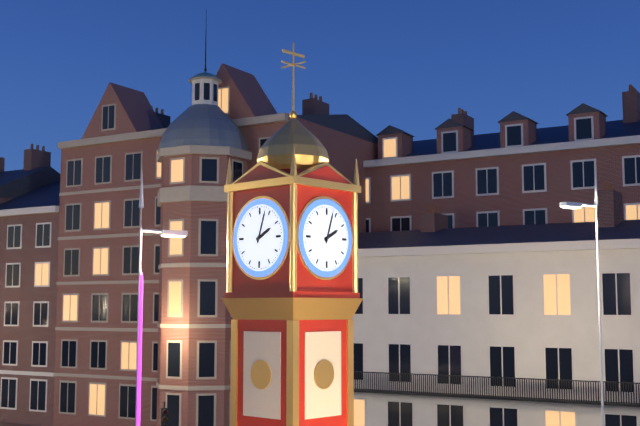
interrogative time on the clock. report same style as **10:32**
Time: **2:03**
